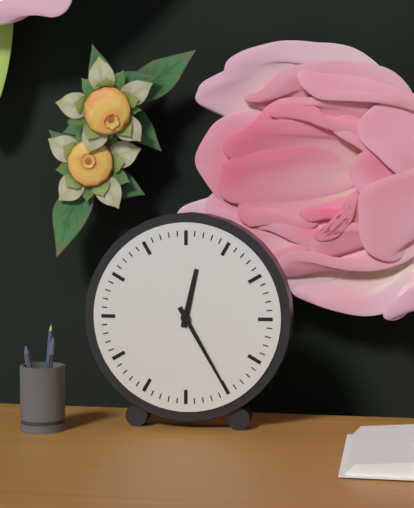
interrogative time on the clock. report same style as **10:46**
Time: **12:25**
